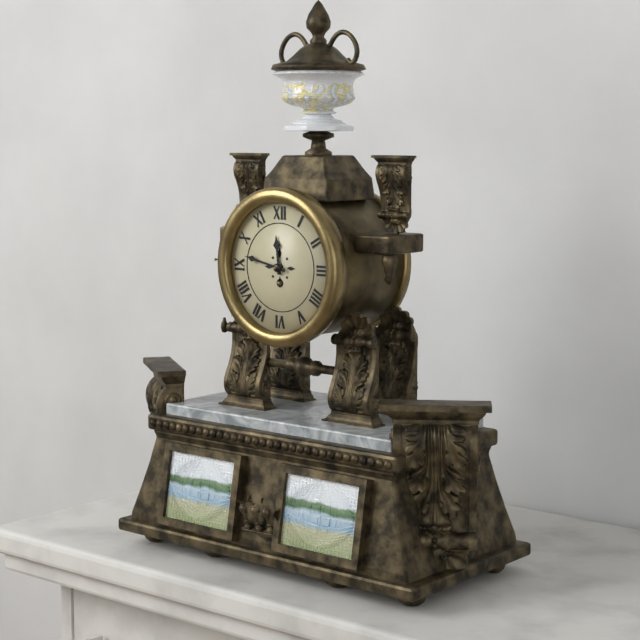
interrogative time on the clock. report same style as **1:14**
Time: **11:47**
